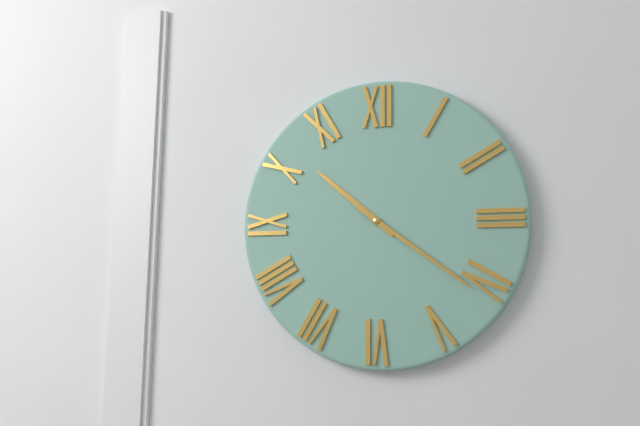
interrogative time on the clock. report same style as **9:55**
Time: **10:21**
